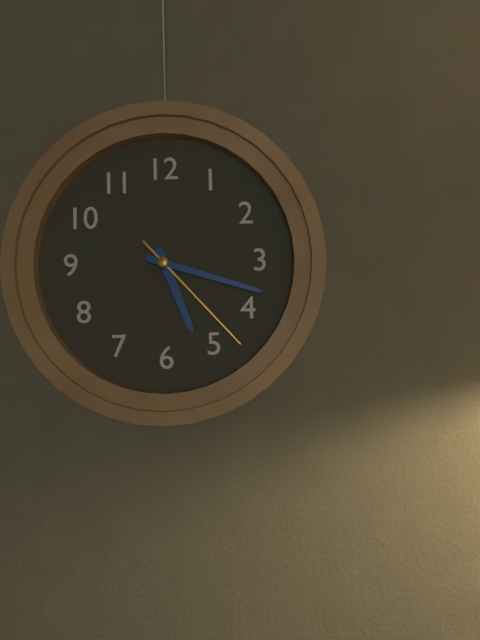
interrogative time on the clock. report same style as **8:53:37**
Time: **5:18:23**
